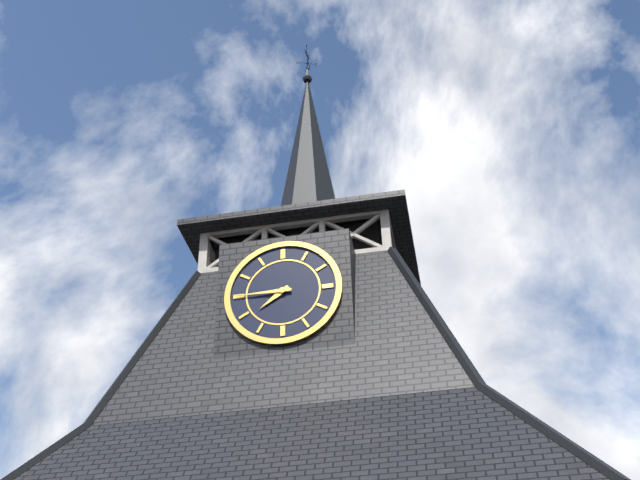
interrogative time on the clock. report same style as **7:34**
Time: **7:45**
